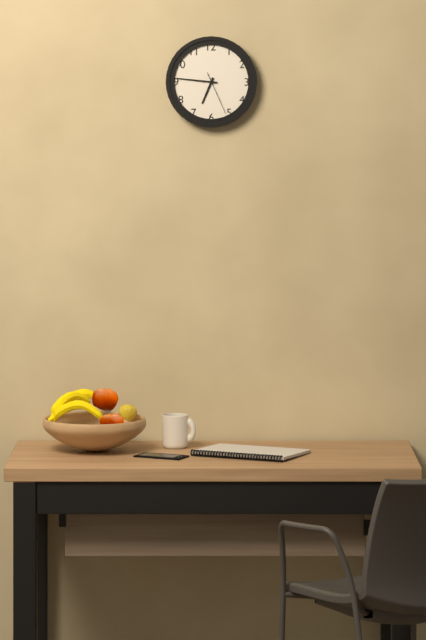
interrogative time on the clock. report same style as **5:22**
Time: **6:46**
